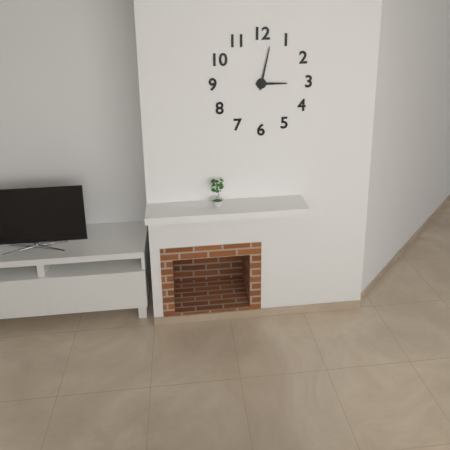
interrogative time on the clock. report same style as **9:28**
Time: **3:02**
